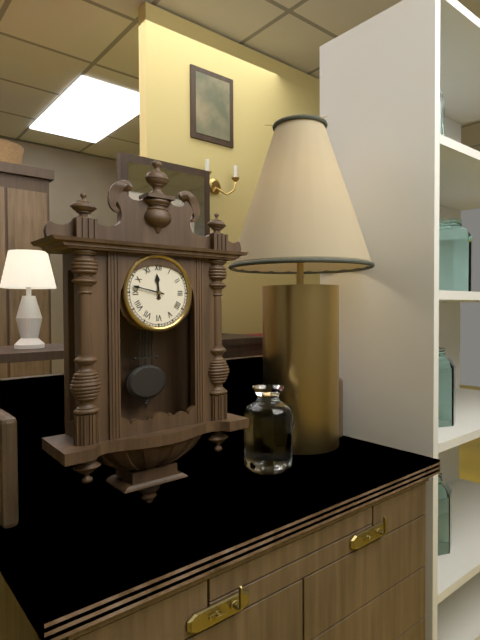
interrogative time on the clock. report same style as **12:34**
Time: **11:47**
